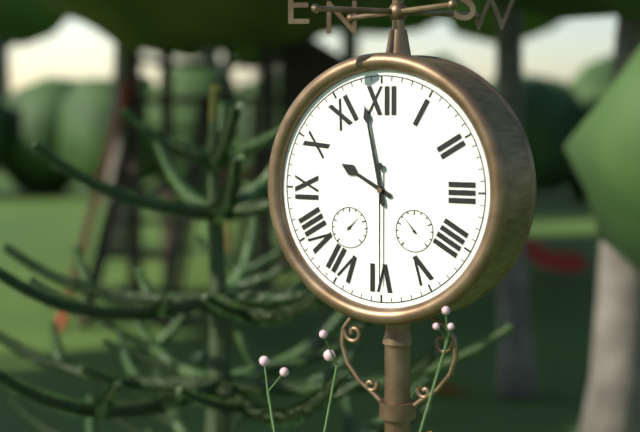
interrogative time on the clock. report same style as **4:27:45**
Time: **9:58:30**
